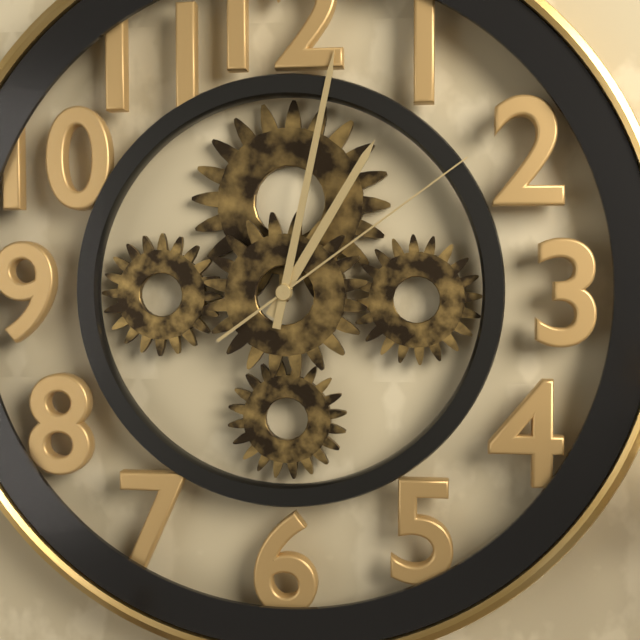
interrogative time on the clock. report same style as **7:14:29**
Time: **1:02:09**
